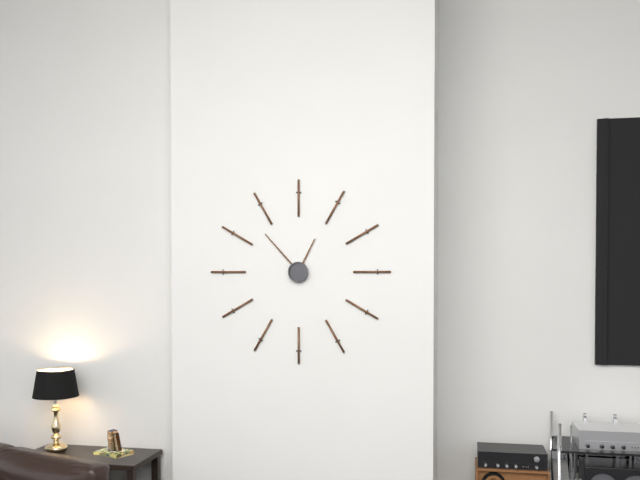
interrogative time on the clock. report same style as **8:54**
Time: **12:53**
